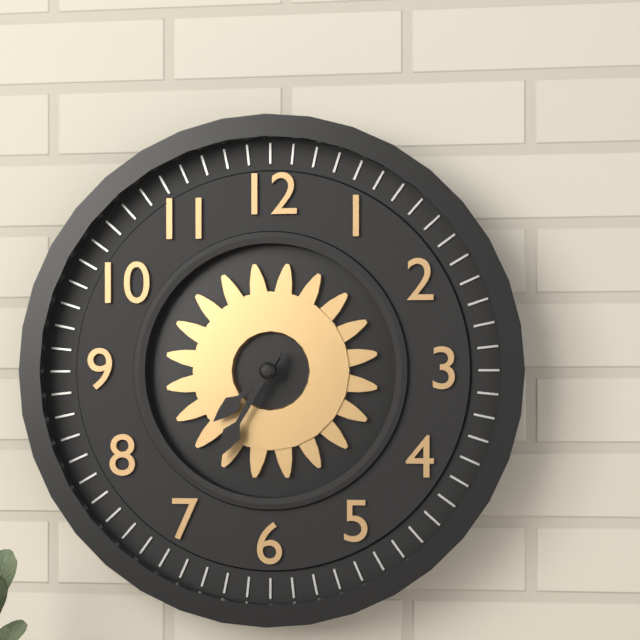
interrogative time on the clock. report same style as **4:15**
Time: **7:35**
